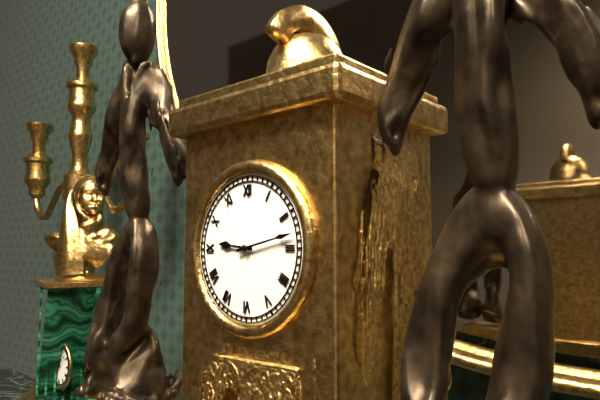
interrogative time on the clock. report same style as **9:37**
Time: **9:13**
